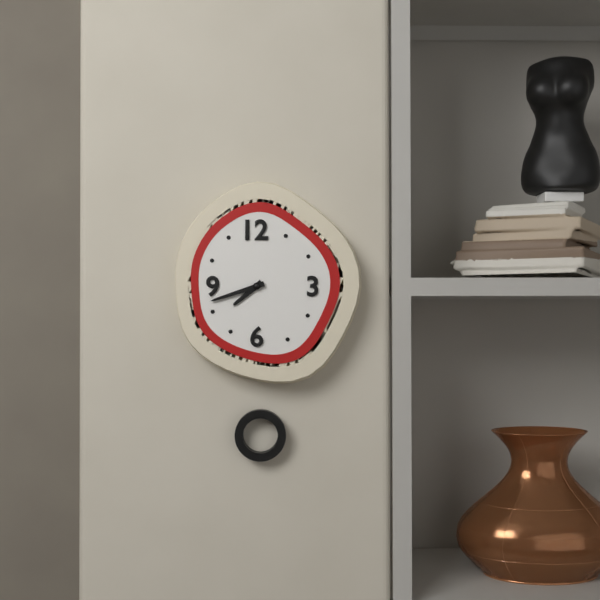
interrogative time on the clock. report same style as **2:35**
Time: **7:42**
